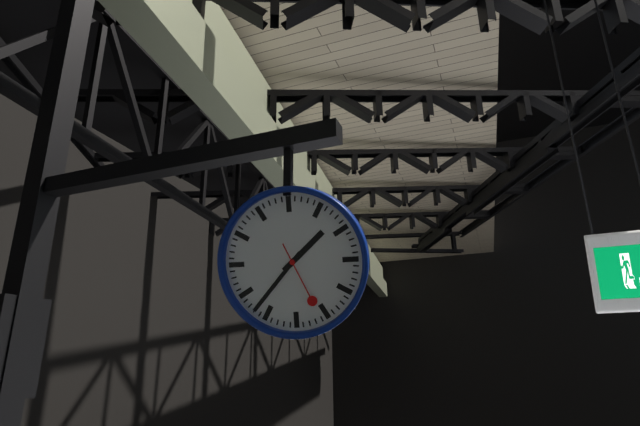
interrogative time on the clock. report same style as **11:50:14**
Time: **1:37:26**
